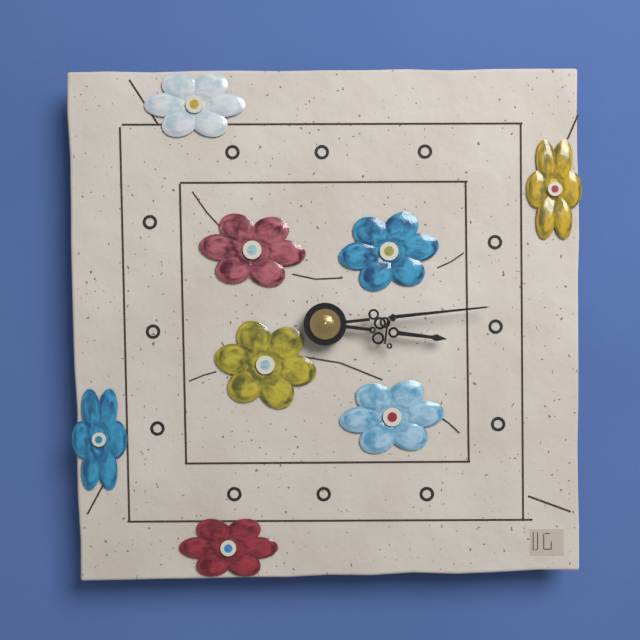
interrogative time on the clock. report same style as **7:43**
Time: **3:14**
